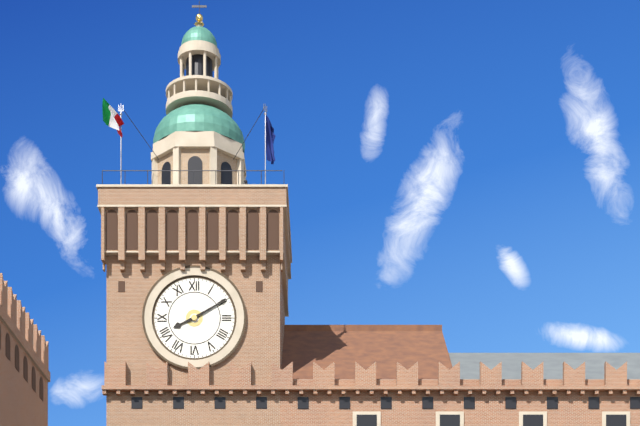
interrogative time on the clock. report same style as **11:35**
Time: **8:10**
